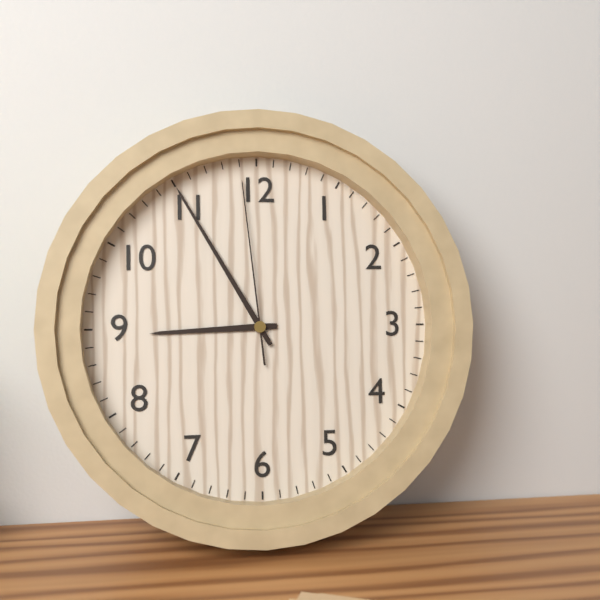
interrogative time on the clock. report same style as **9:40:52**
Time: **8:55:59**
